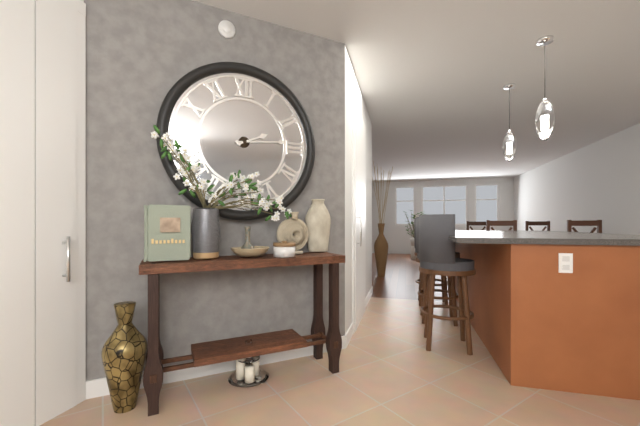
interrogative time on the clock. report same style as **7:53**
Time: **2:14**
